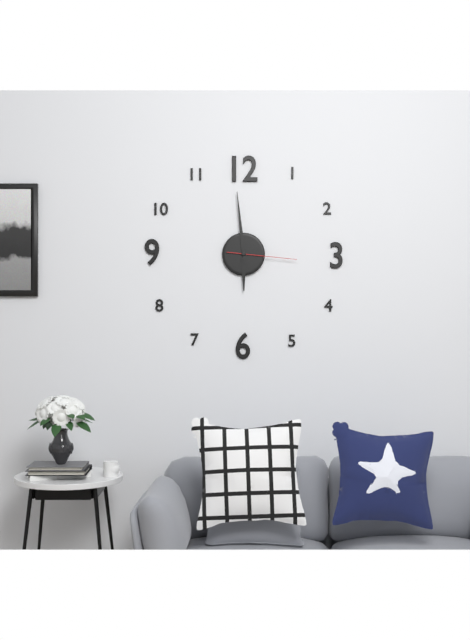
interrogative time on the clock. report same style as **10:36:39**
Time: **5:59:16**
